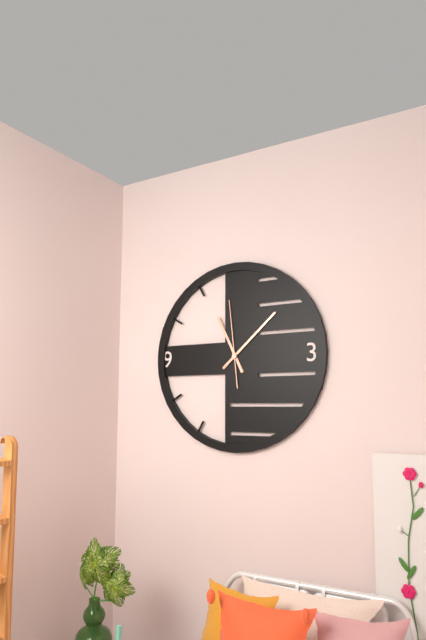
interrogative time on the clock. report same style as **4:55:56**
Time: **11:08:59**
